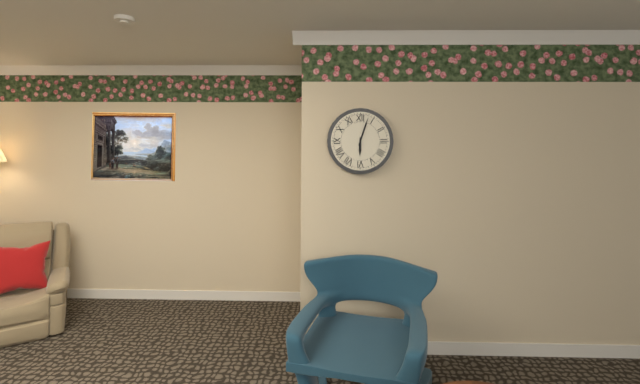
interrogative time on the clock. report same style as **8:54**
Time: **6:03**
